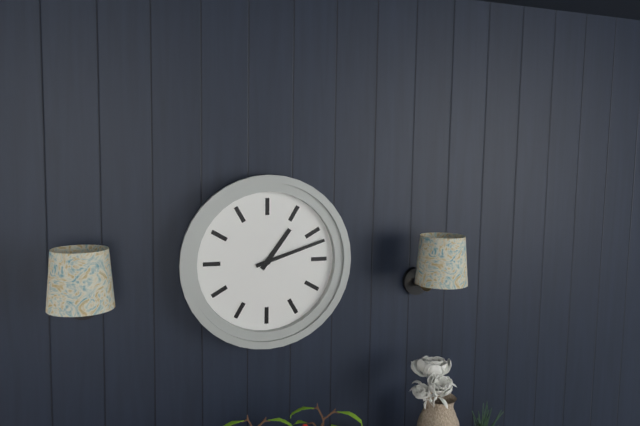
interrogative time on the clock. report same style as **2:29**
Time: **1:12**
